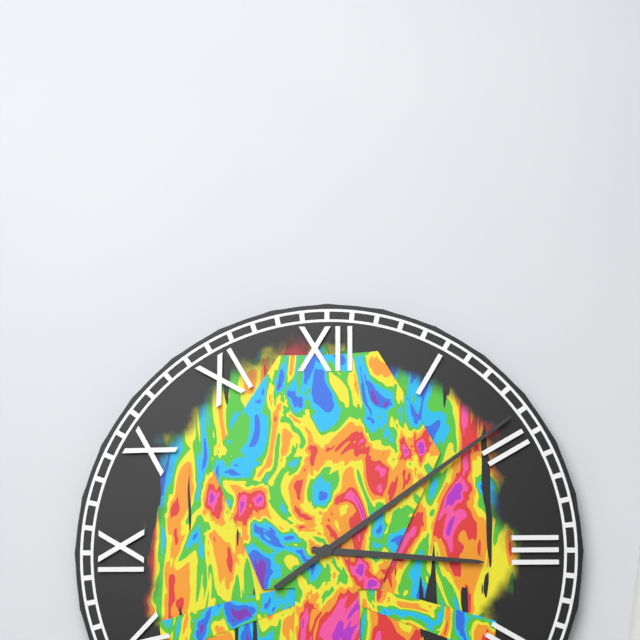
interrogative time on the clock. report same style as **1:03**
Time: **3:09**
